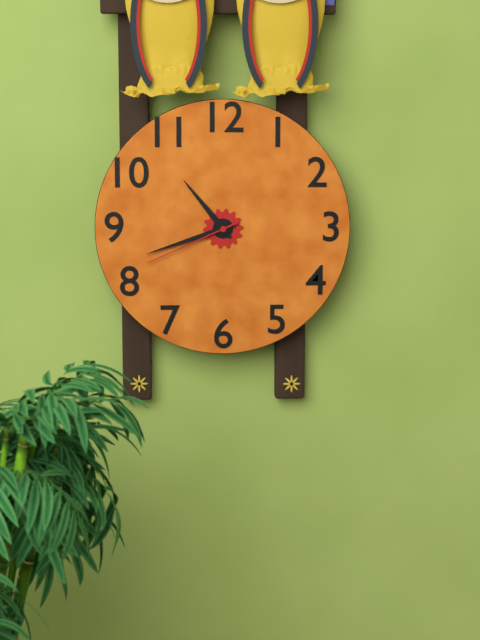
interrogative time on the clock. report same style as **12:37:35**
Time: **10:42:41**
